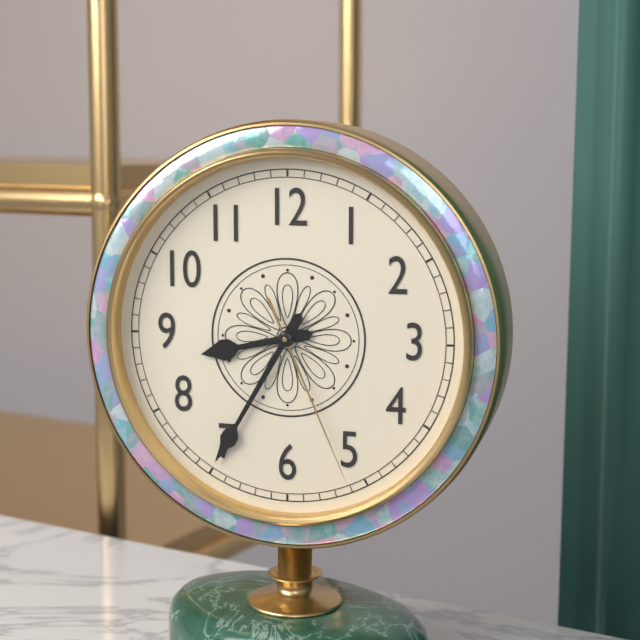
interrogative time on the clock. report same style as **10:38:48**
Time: **8:35:26**
